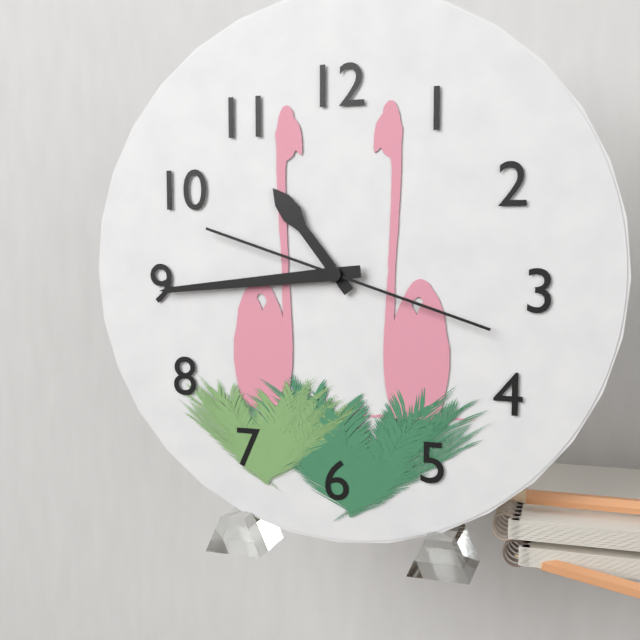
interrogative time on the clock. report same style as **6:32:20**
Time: **10:44:18**
